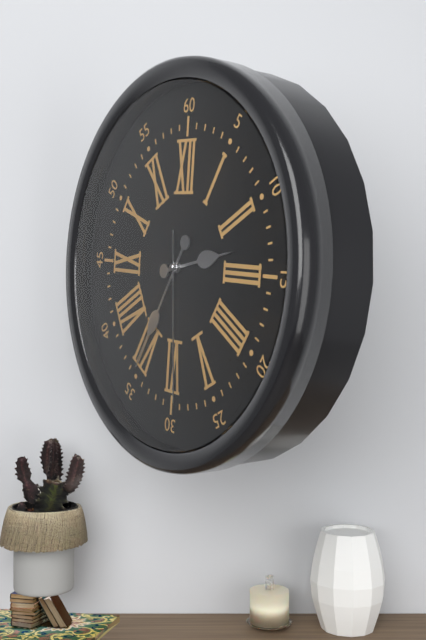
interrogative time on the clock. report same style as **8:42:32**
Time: **2:35:29**
